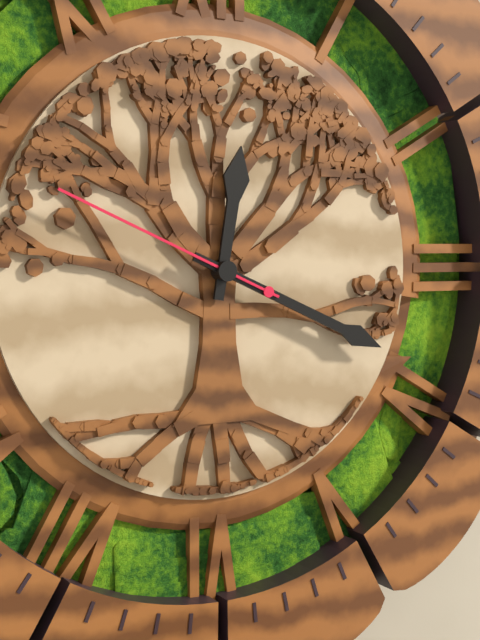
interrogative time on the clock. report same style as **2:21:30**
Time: **12:19:49**
